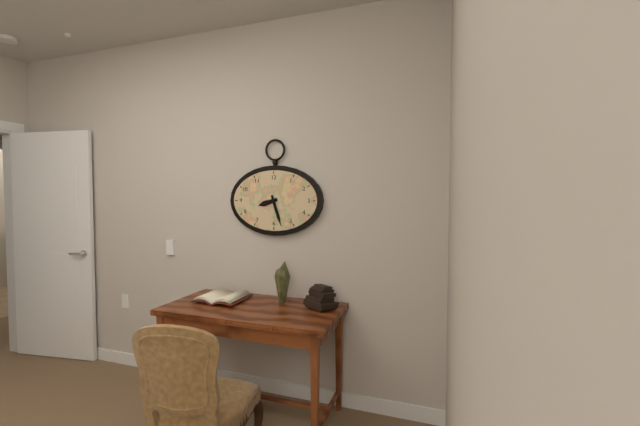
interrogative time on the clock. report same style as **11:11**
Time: **8:27**
